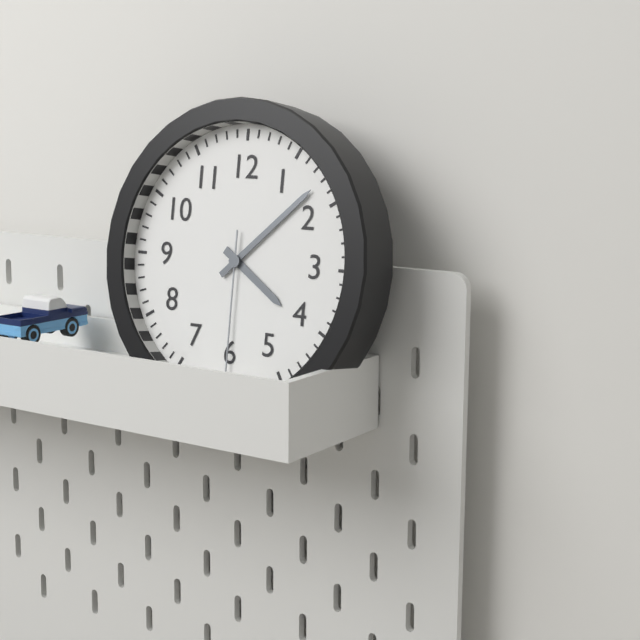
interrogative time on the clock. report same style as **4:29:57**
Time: **4:08:30**
